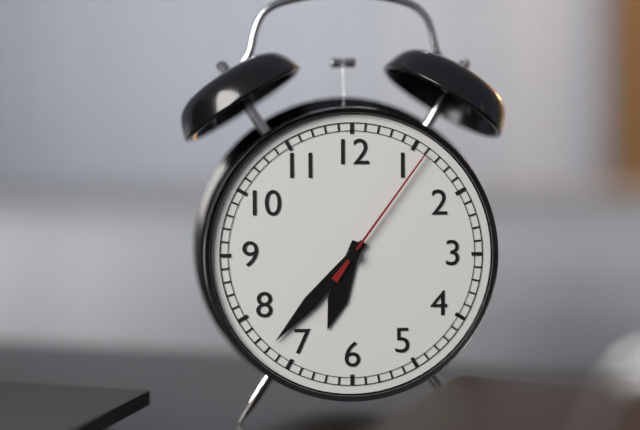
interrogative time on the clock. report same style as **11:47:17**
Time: **6:37:06**
